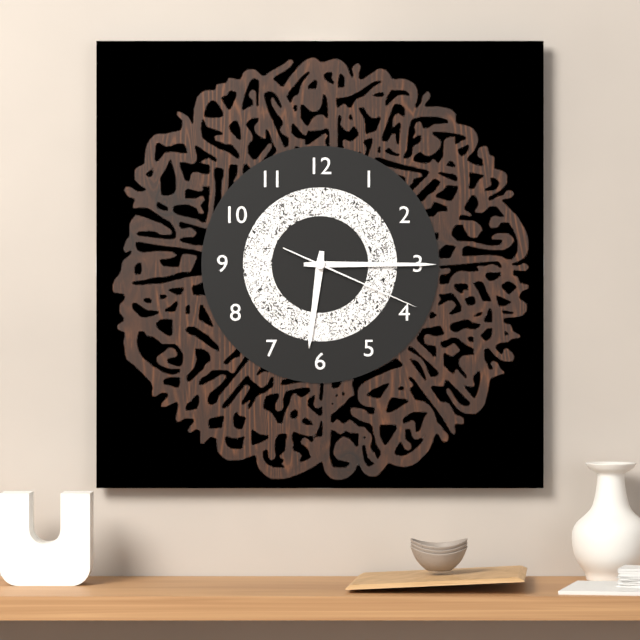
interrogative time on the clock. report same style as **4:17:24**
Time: **6:15:19**
